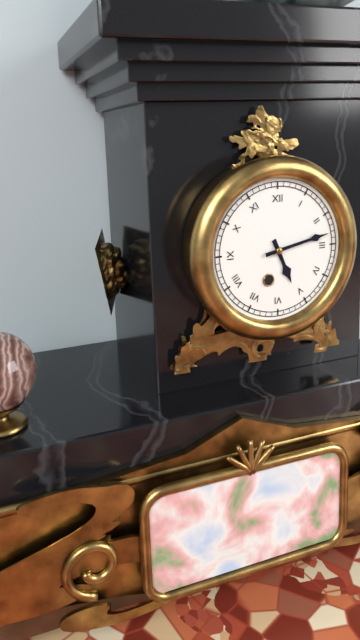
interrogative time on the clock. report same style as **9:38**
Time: **5:13**
